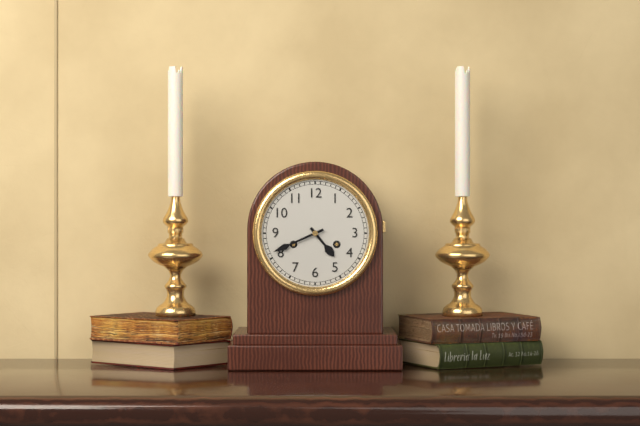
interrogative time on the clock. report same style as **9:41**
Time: **4:41**
